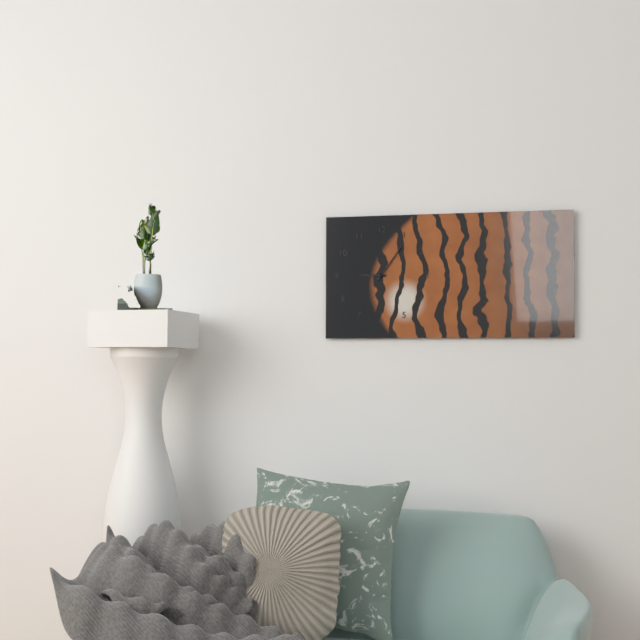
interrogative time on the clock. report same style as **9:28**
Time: **9:06**
